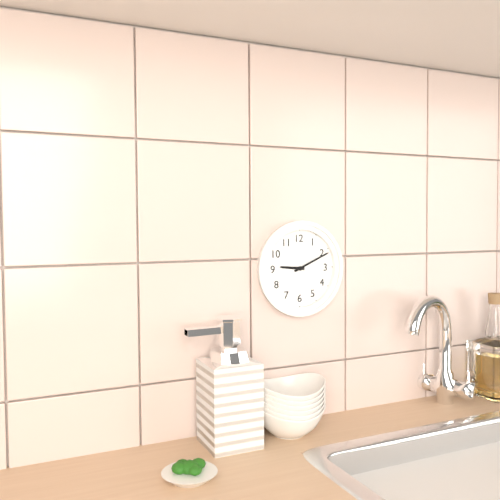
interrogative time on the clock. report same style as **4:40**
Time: **9:11**
